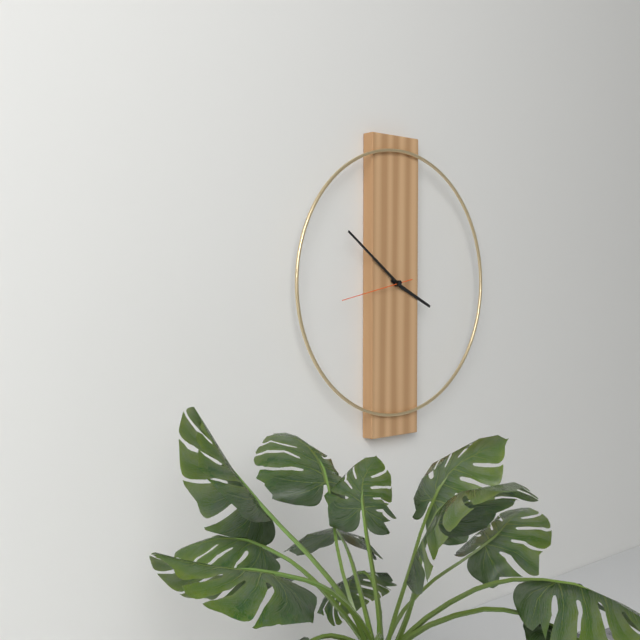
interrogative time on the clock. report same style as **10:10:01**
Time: **3:51:43**
